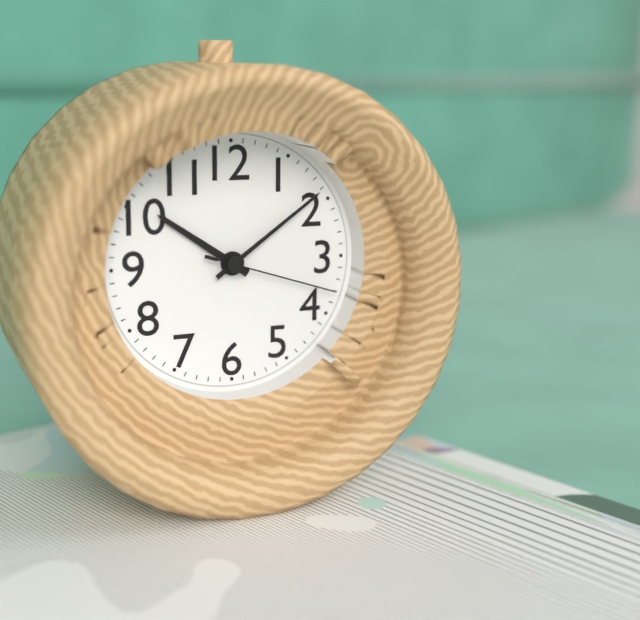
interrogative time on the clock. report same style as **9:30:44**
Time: **10:09:18**
